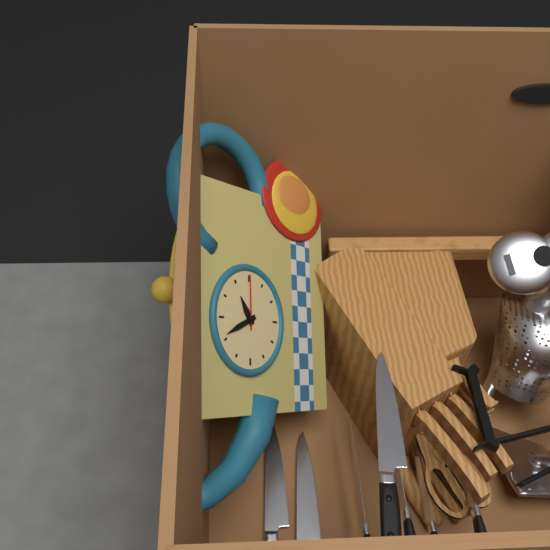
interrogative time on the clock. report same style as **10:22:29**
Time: **1:56:15**
